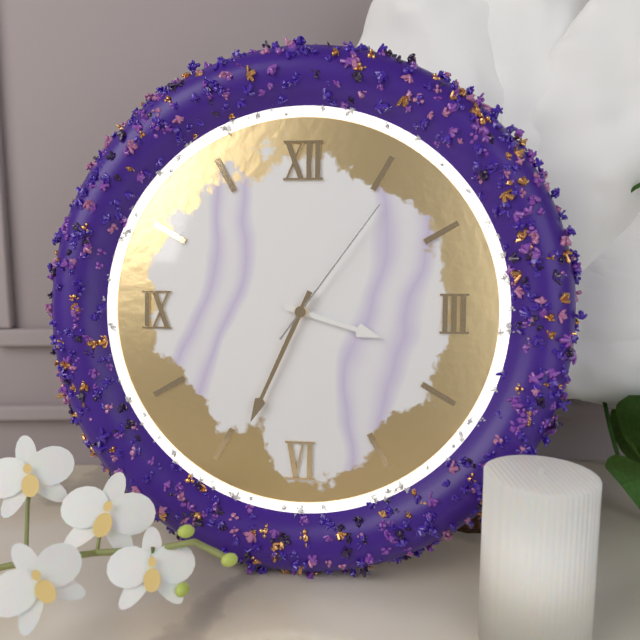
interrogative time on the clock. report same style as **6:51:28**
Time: **3:34:06**
